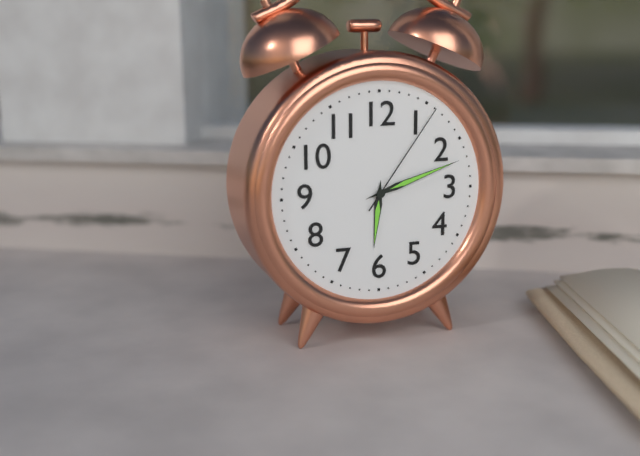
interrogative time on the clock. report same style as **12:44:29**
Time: **6:12:06**
